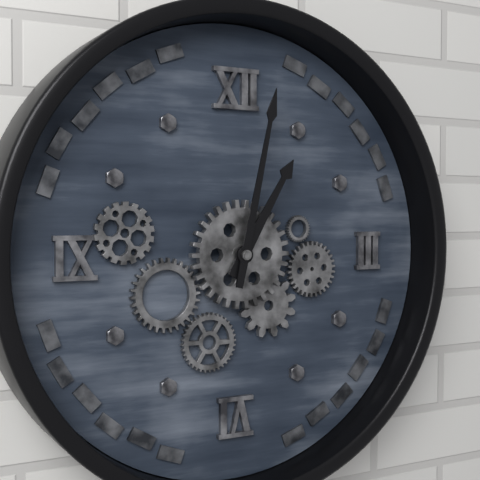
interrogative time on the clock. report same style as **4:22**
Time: **1:02**
